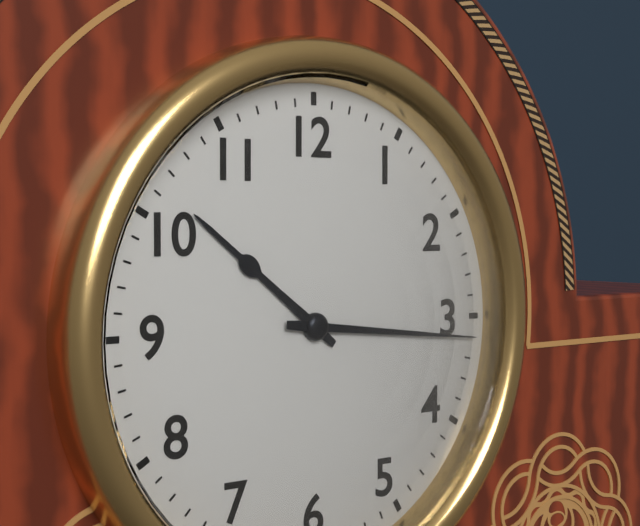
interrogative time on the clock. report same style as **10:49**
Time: **10:16**
